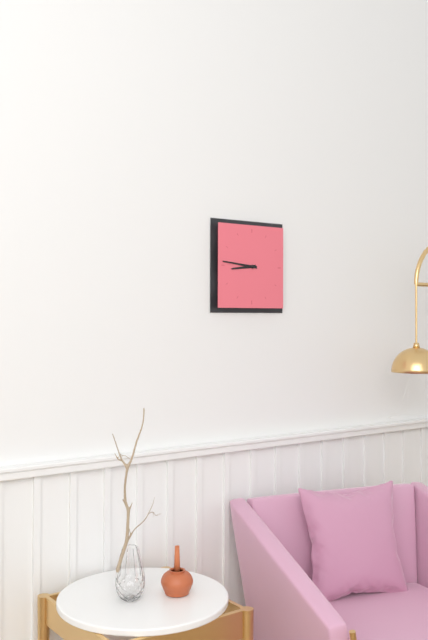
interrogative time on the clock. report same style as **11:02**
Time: **8:46**
